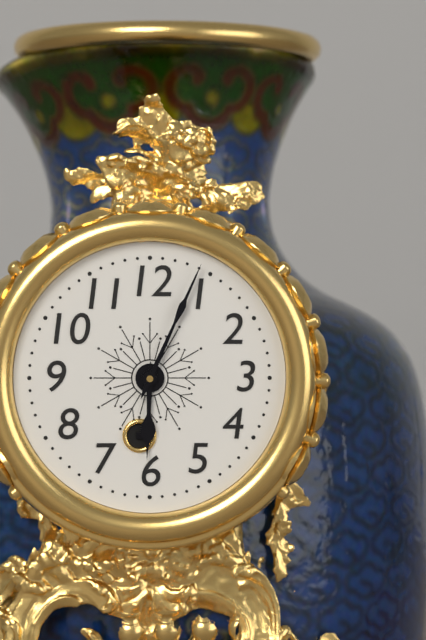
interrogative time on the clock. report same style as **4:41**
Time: **6:04**
